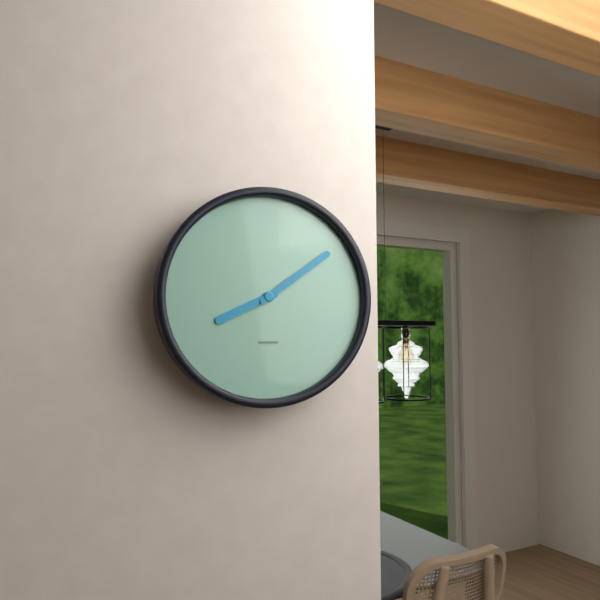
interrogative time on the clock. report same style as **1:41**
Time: **8:09**
